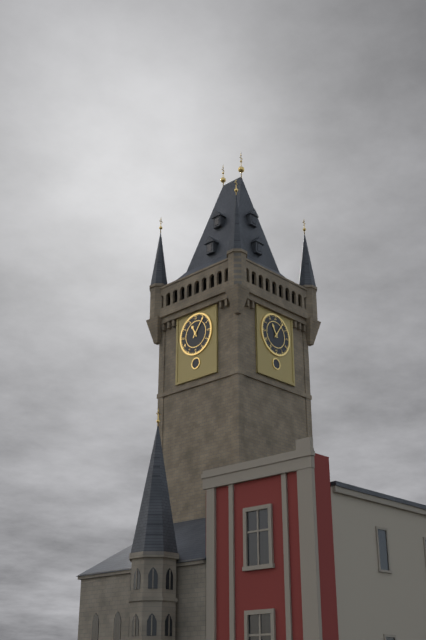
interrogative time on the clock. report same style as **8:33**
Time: **11:06**
